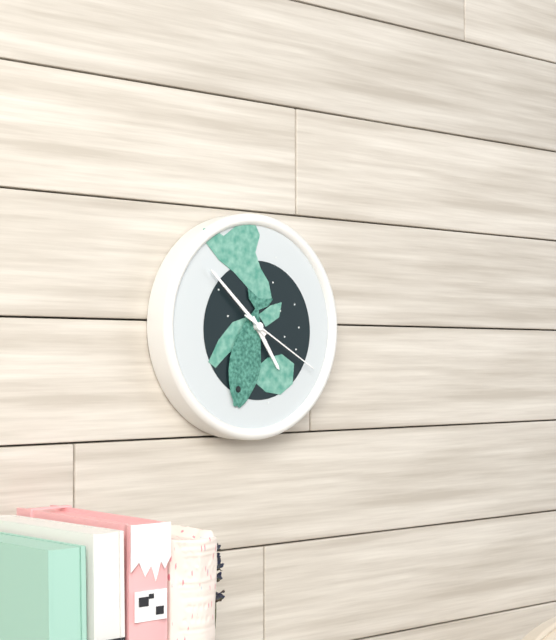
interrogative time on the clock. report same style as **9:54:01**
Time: **4:52:20**
